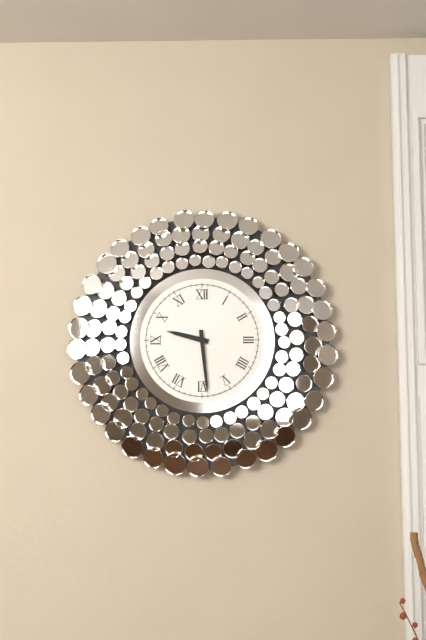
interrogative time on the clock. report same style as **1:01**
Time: **9:29**
